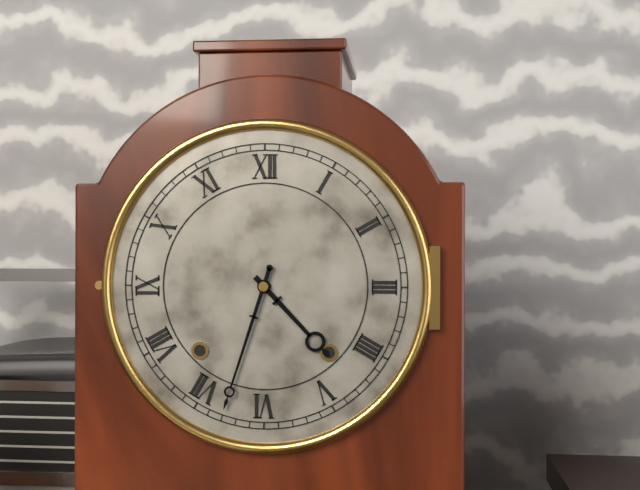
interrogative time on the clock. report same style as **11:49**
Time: **4:33**
